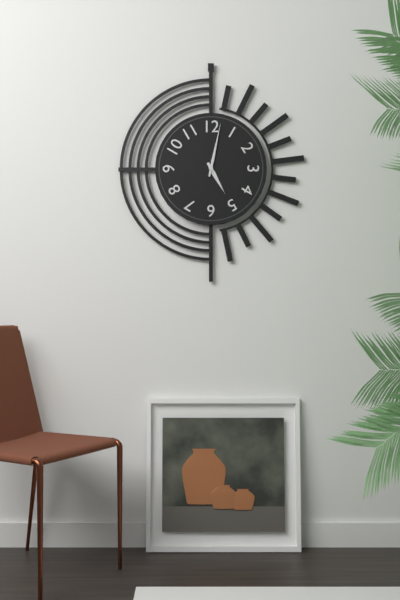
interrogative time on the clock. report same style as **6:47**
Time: **5:02**
